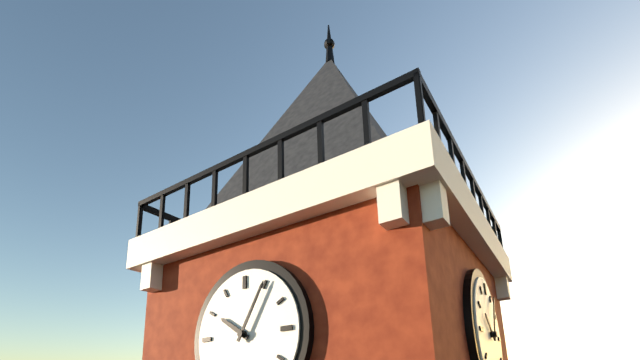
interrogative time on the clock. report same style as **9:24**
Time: **10:05**
